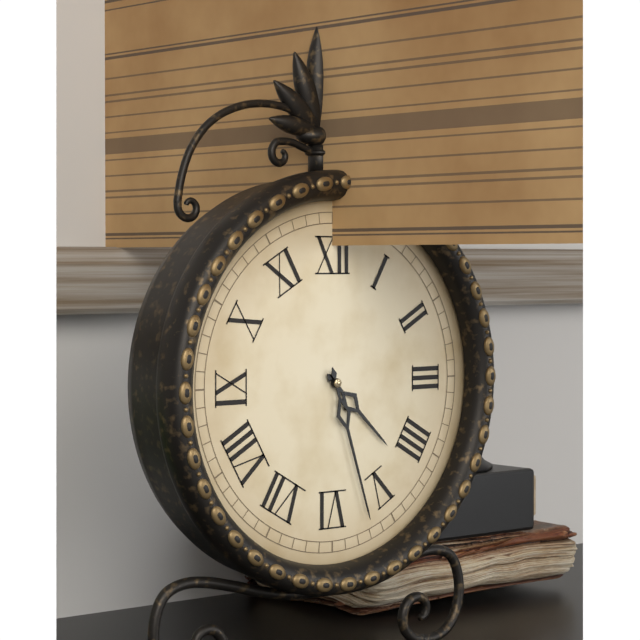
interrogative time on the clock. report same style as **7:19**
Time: **4:27**
